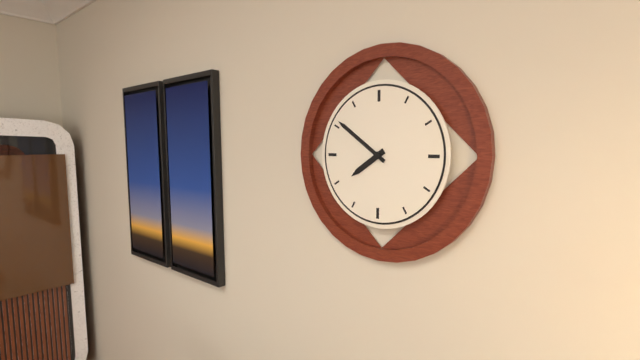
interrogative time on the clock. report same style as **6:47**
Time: **7:51**
